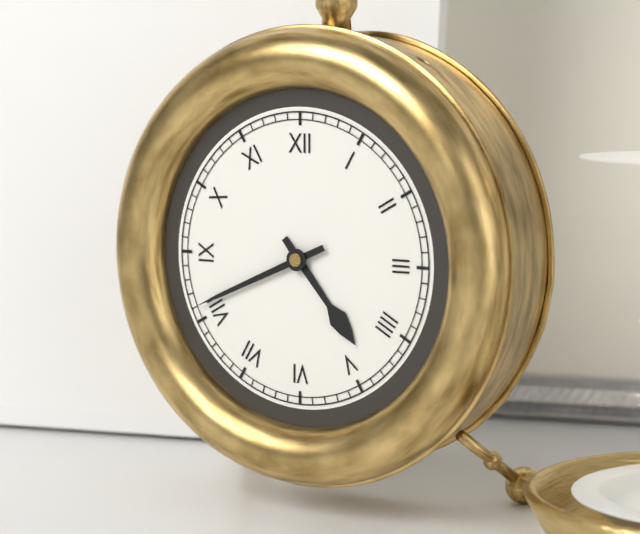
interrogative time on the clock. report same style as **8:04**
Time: **4:41**
